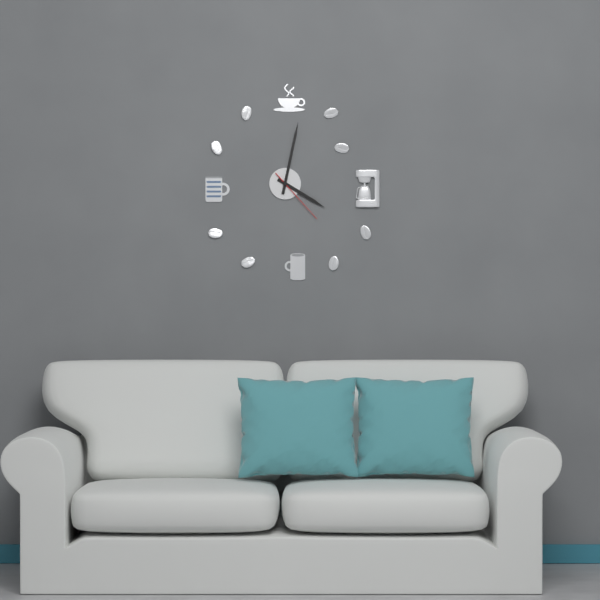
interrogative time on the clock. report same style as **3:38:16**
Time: **4:02:23**
